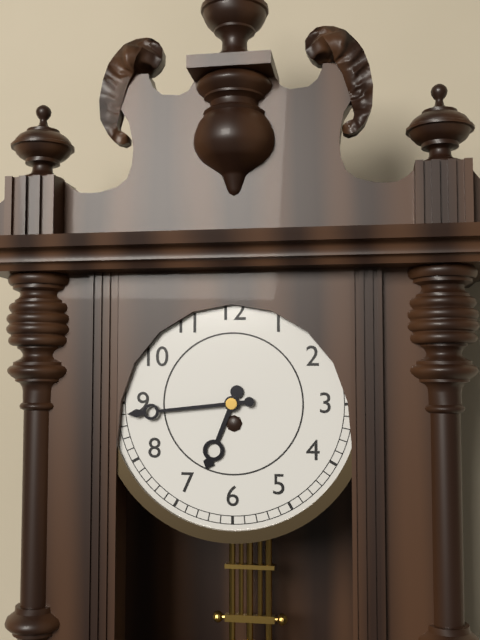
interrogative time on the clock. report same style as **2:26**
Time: **6:44**
